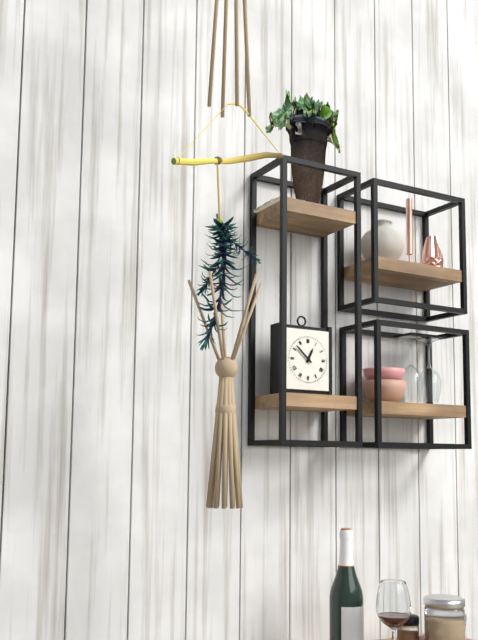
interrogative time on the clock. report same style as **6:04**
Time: **12:52**
